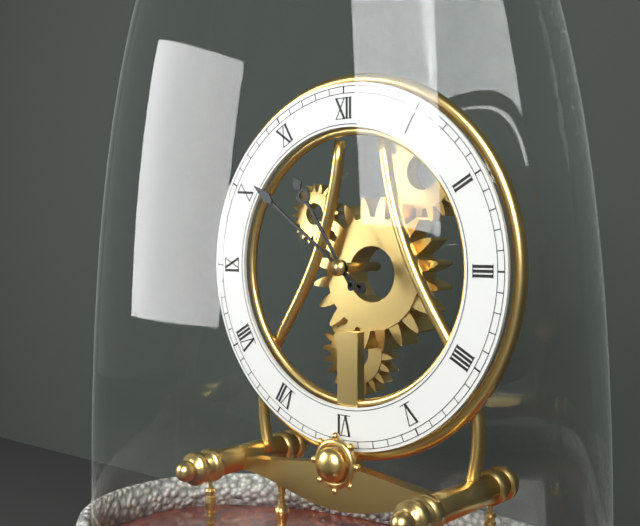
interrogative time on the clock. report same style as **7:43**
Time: **10:51**
